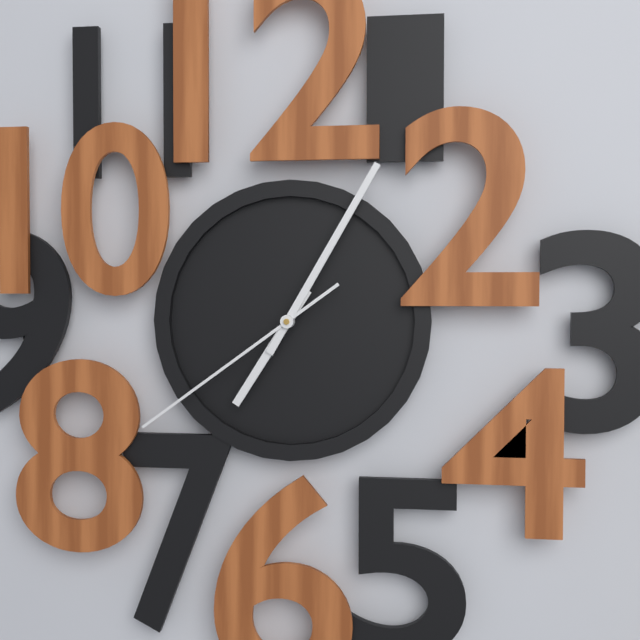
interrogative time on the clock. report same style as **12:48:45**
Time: **7:05:39**
